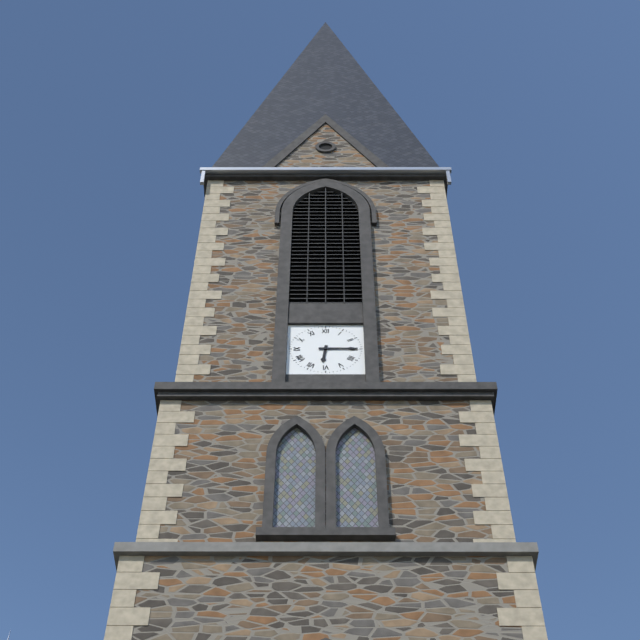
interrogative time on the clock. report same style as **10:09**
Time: **6:15**
